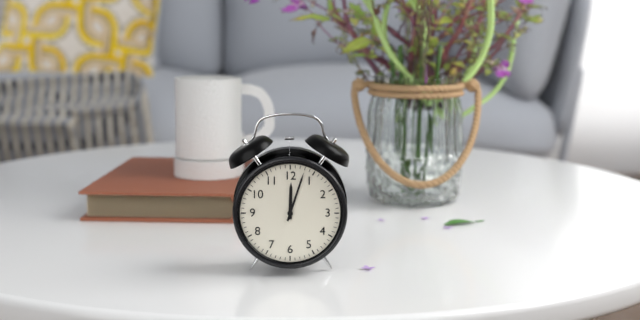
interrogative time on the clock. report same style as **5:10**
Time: **12:03**
